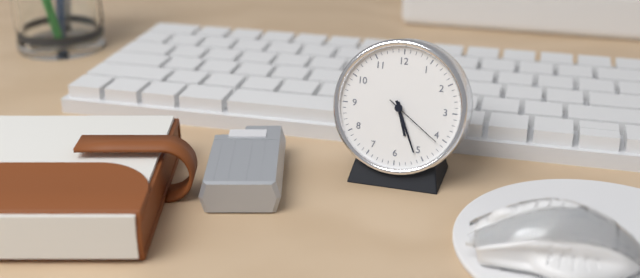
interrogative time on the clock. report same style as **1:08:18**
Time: **5:26:21**
